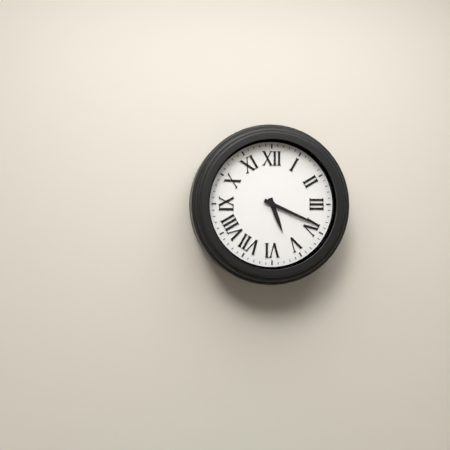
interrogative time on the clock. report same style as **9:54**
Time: **5:19**
